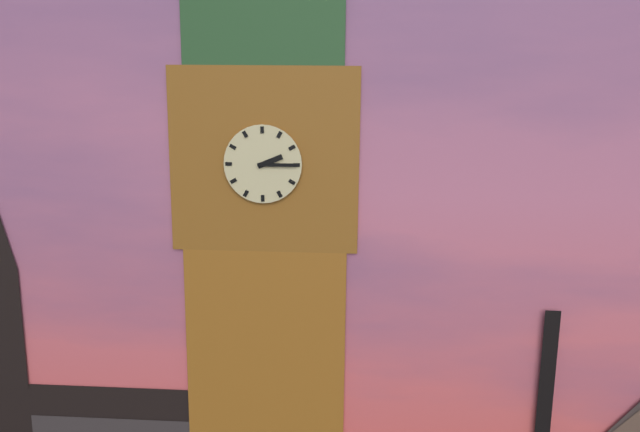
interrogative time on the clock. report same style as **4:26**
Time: **2:15**
